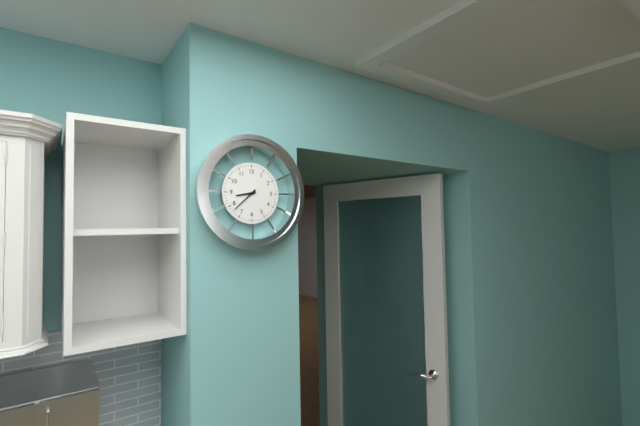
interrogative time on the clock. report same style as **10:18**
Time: **8:38**
